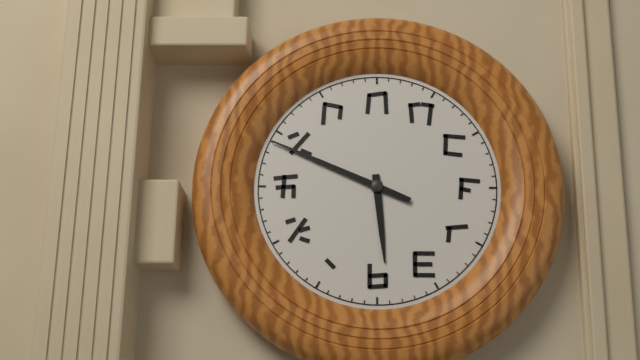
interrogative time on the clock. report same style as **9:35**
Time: **5:49**
